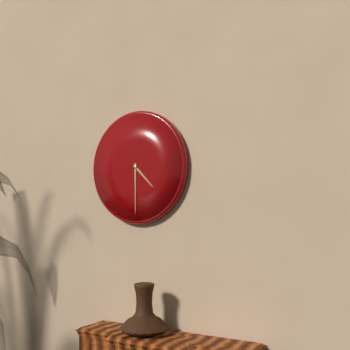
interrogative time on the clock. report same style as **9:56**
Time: **4:30**
